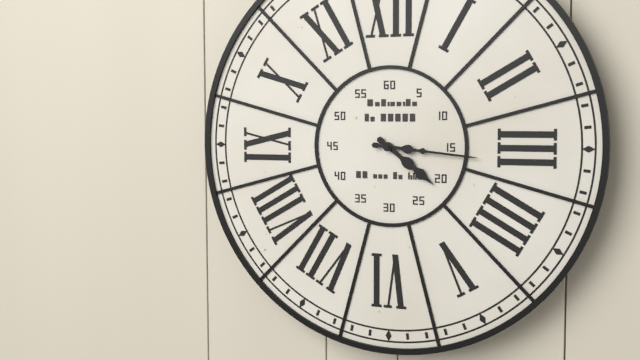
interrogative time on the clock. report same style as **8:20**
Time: **4:16**
